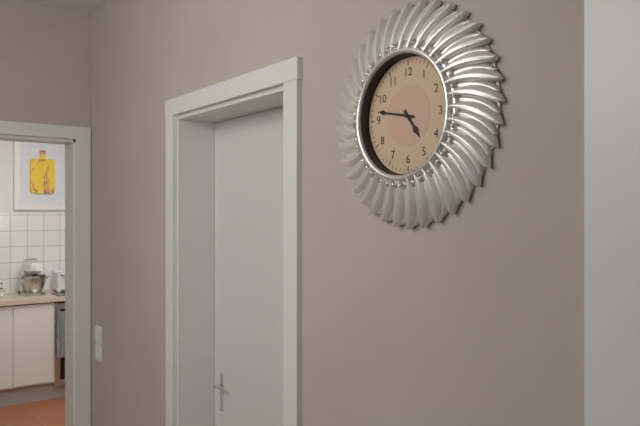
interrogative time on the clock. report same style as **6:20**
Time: **4:47**
